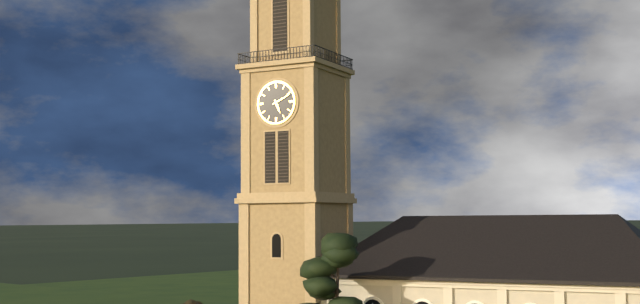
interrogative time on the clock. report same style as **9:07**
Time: **5:11**
